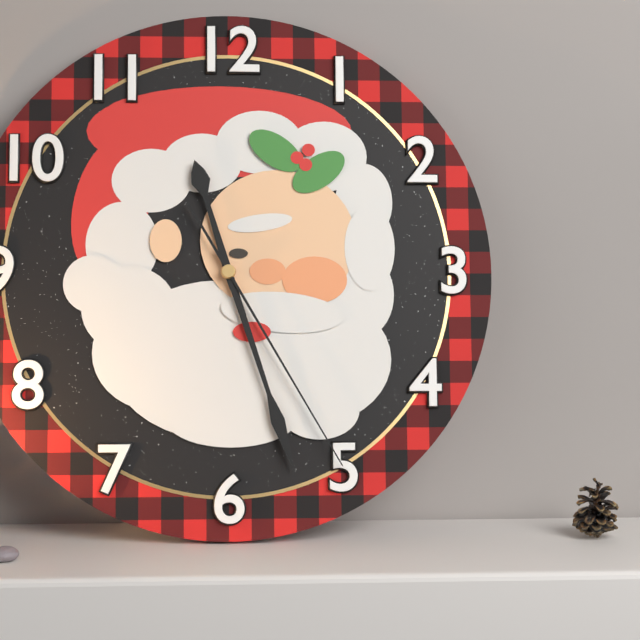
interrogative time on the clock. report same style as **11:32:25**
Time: **11:27:25**
